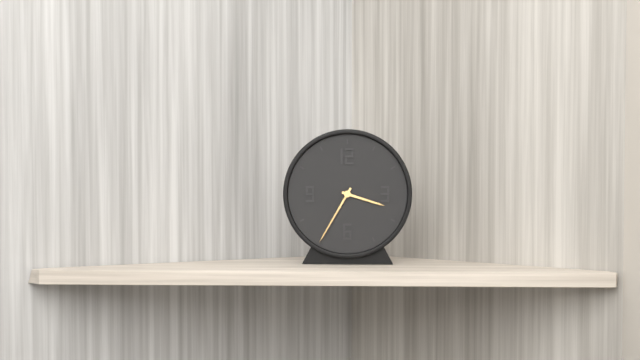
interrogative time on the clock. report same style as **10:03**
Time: **3:35**
